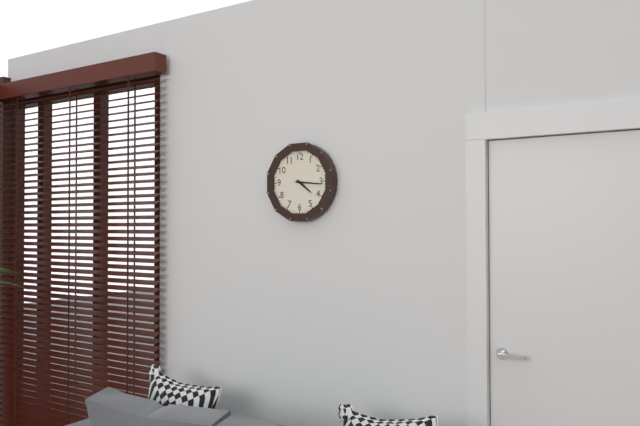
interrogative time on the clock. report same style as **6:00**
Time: **4:16**
